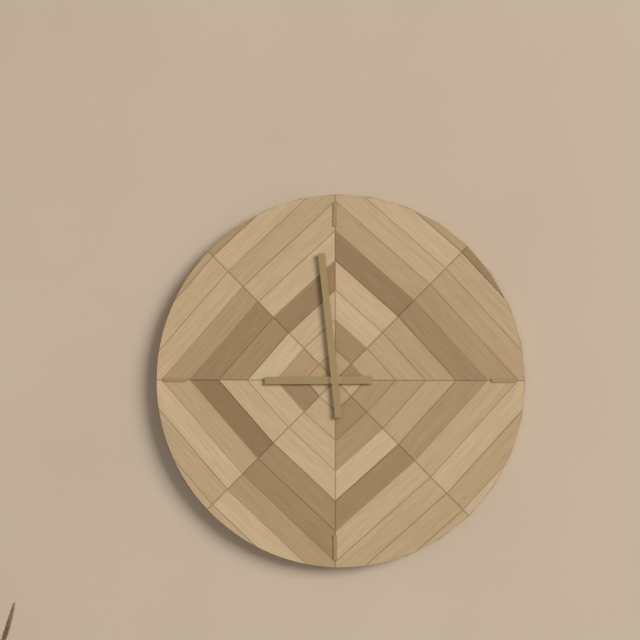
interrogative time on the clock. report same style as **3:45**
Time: **8:59**
